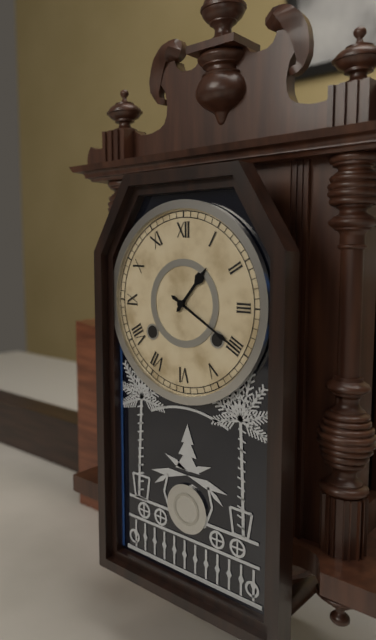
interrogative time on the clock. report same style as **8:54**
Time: **1:20**
